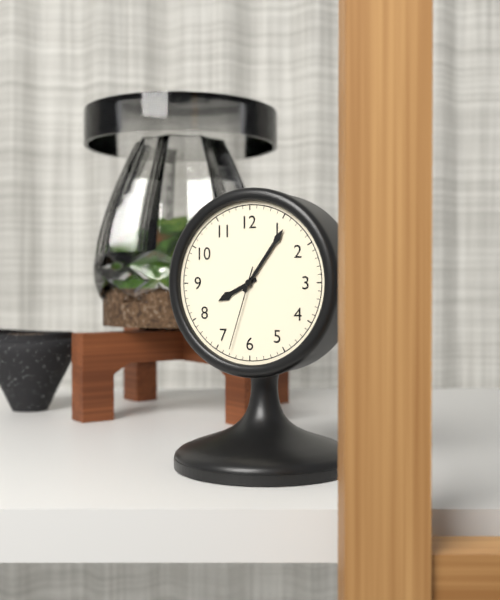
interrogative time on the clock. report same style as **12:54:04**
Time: **8:06:33**
